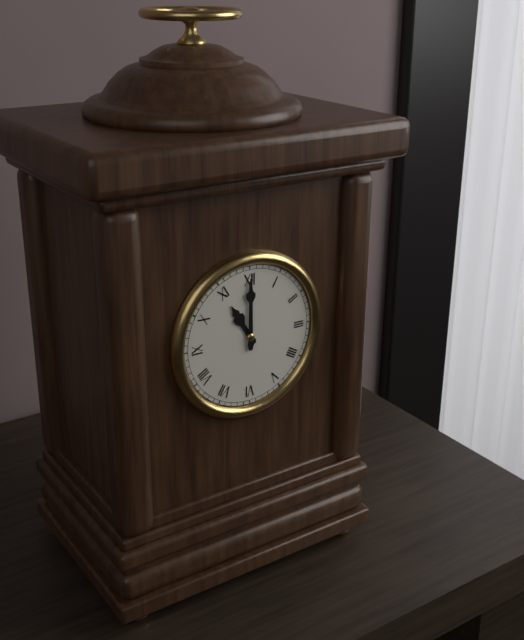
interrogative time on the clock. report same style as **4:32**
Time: **11:00**
